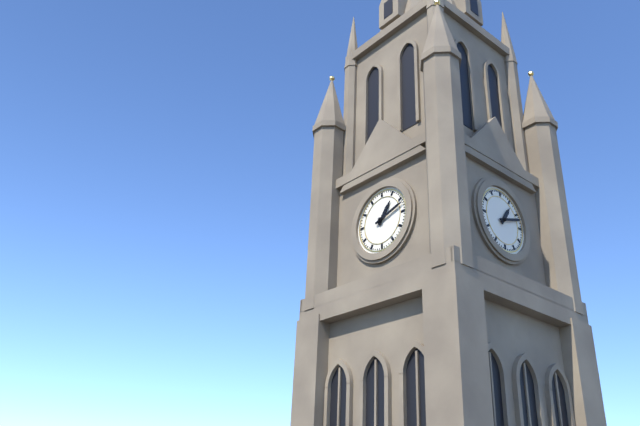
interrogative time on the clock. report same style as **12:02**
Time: **1:12**
